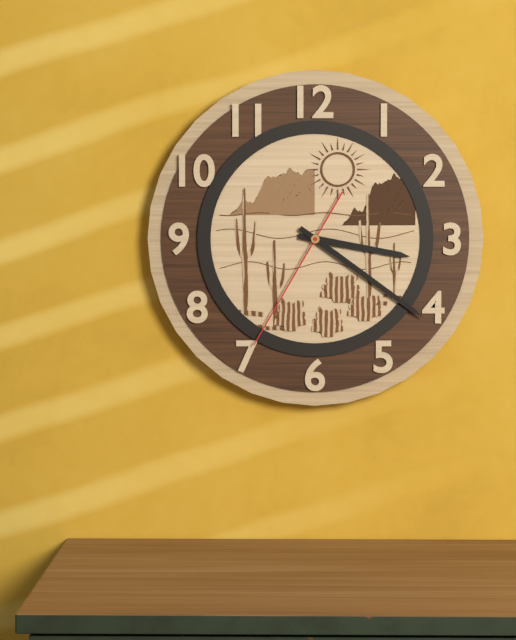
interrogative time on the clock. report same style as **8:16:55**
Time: **3:21:35**
